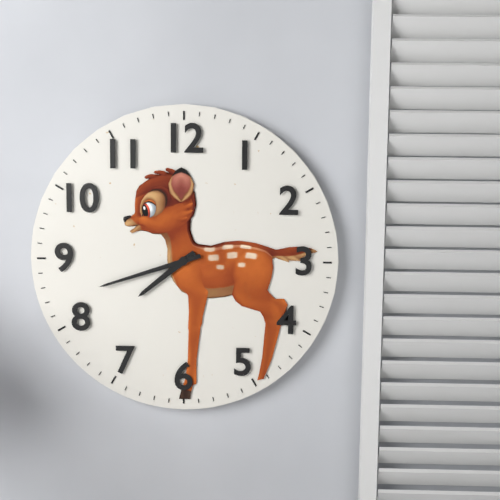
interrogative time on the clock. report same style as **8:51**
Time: **7:42**
